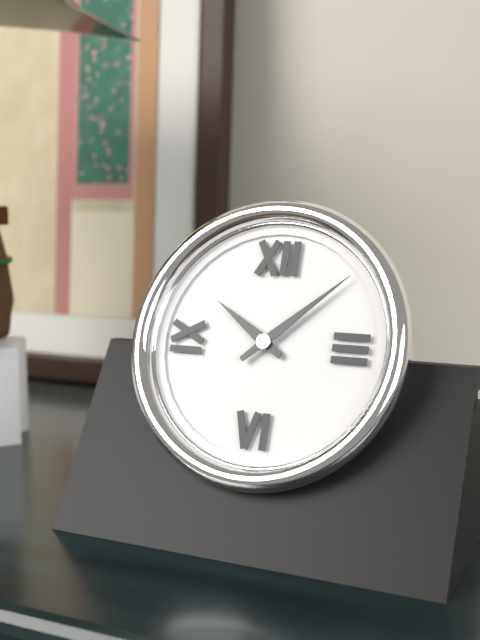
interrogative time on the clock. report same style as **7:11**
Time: **10:08**
